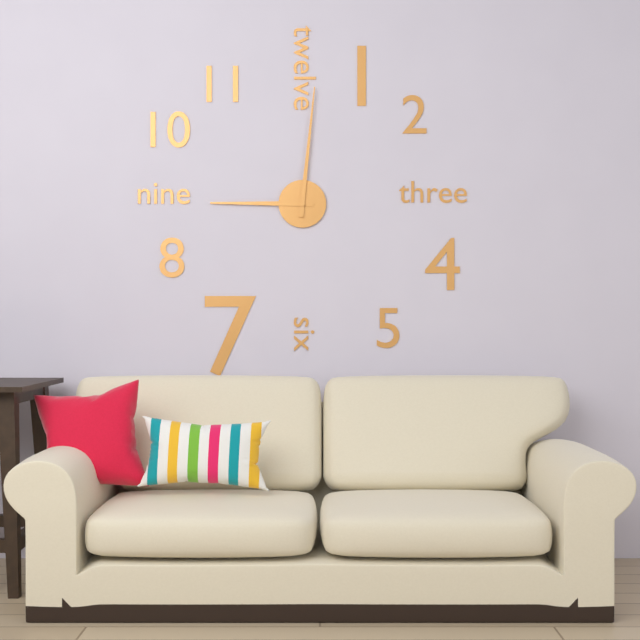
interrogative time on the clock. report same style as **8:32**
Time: **9:01**
